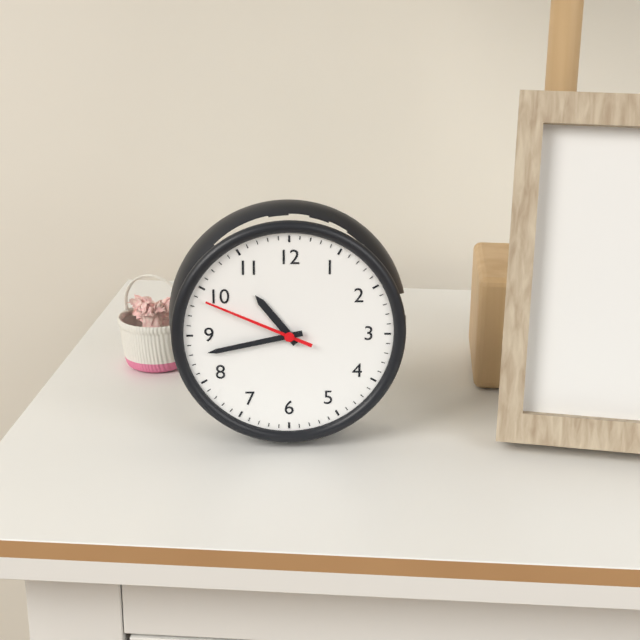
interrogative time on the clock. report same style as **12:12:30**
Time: **10:43:49**
